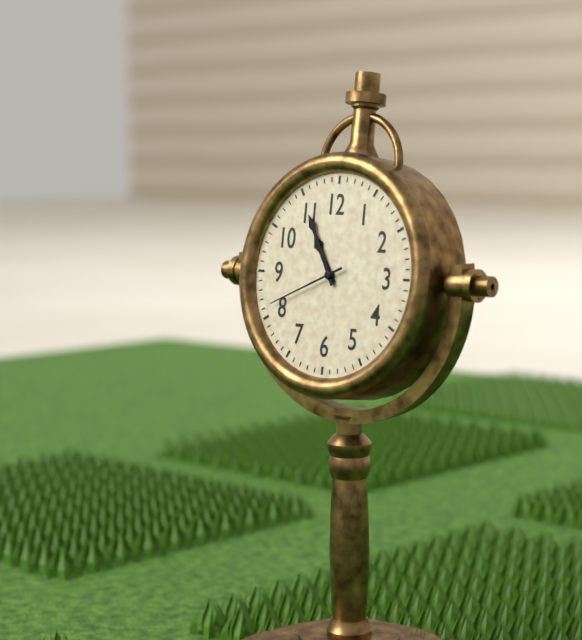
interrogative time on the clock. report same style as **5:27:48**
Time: **10:55:41**
